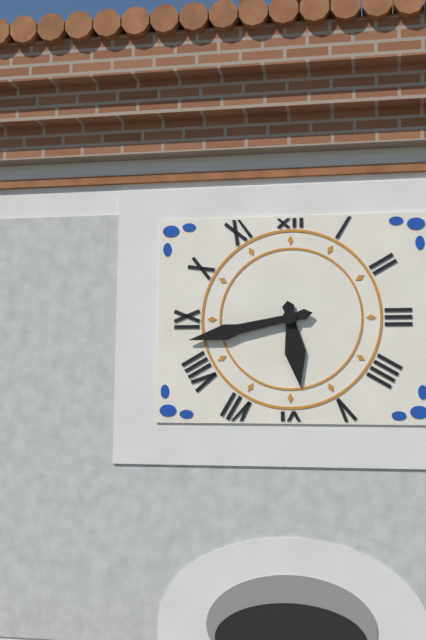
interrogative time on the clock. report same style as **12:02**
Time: **5:43**
